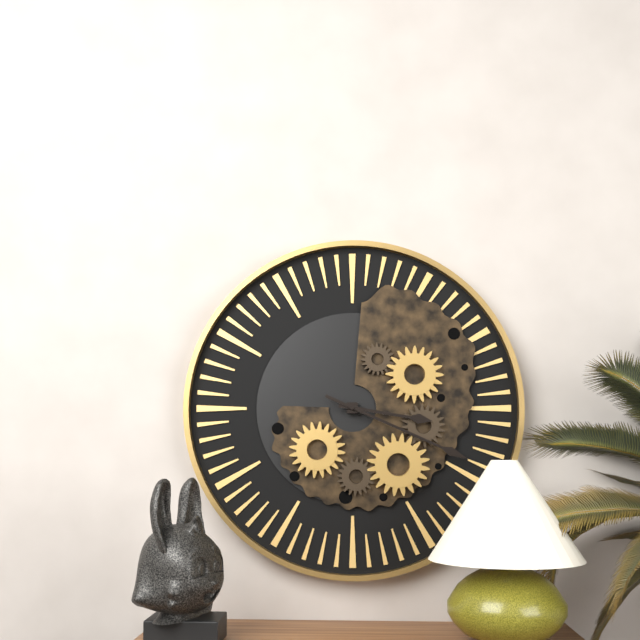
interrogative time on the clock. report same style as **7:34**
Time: **3:19**
